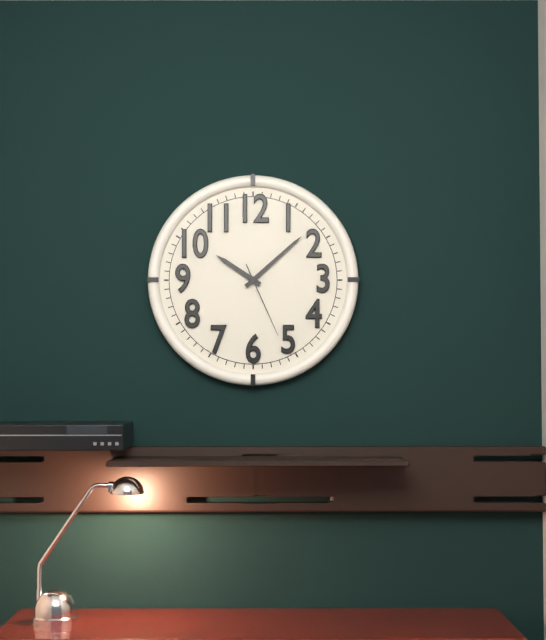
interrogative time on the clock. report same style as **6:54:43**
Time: **10:08:26**
